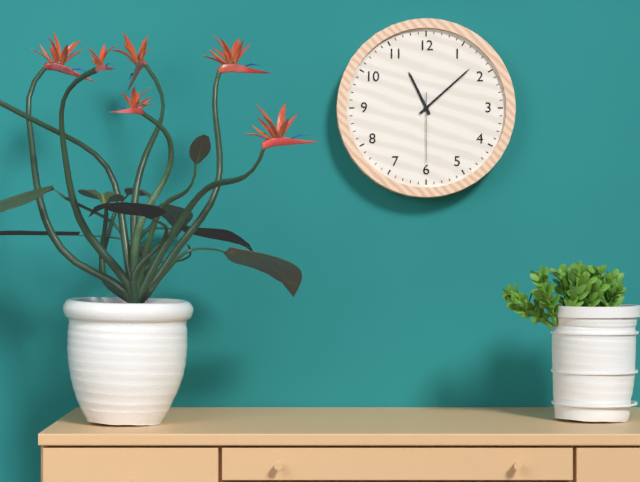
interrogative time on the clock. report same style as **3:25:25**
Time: **11:08:30**
